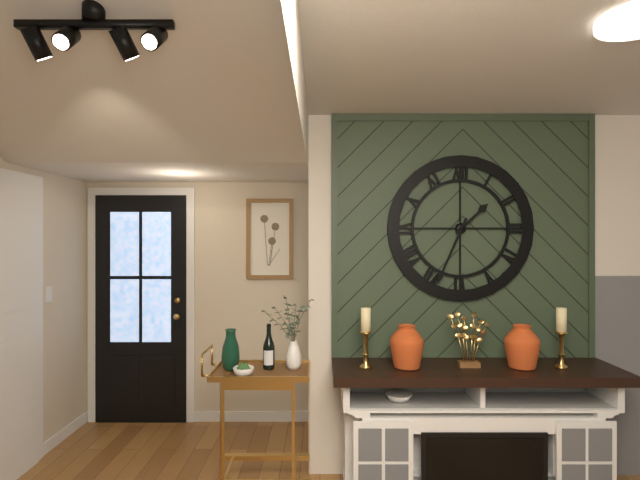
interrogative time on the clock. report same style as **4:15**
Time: **1:34**
